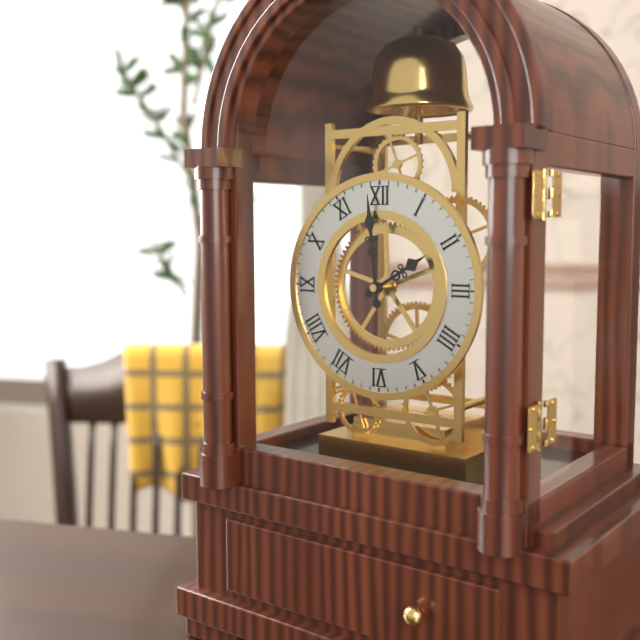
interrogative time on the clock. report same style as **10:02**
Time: **1:59**
